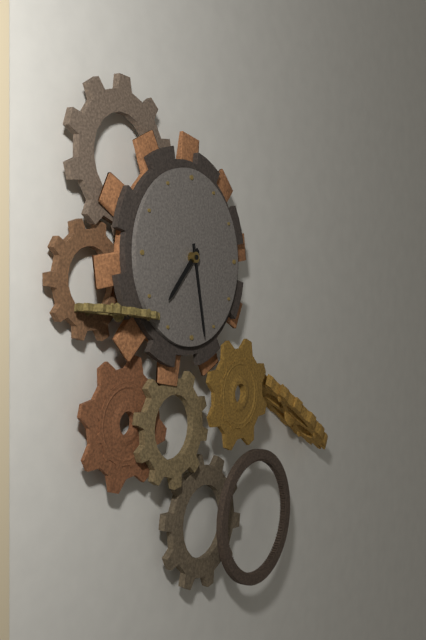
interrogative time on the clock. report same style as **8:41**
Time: **7:28**
